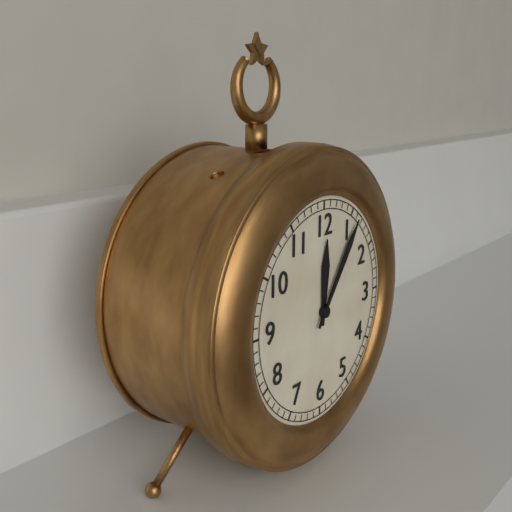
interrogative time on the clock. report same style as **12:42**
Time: **12:06**
